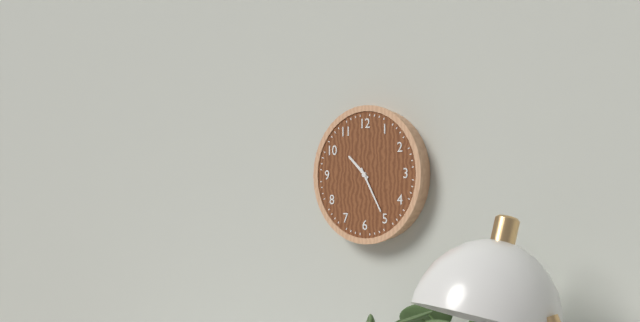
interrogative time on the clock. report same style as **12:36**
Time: **10:25**
